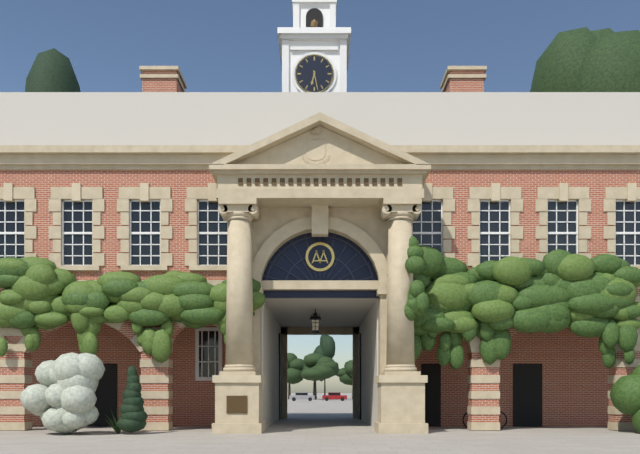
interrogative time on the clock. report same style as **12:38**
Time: **6:28**
